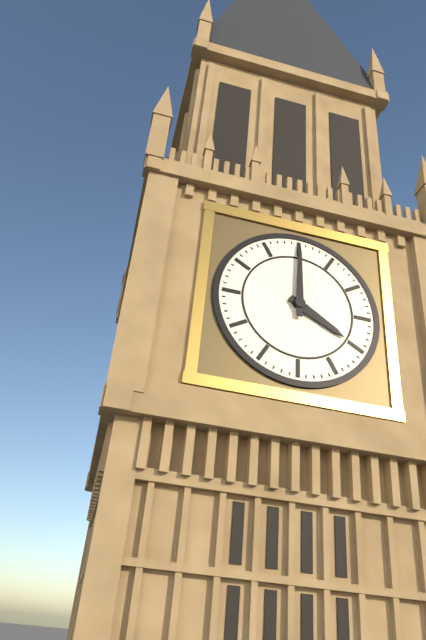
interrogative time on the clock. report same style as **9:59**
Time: **4:00**
